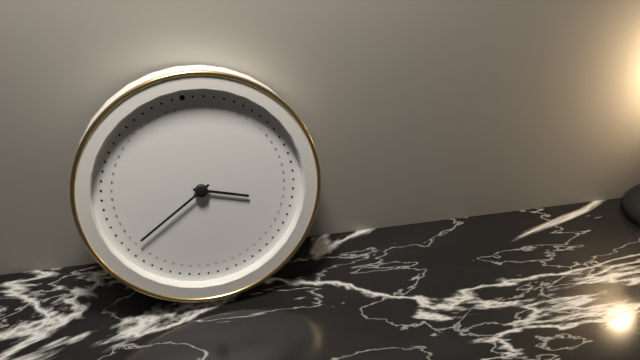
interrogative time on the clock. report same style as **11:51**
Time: **3:40**
